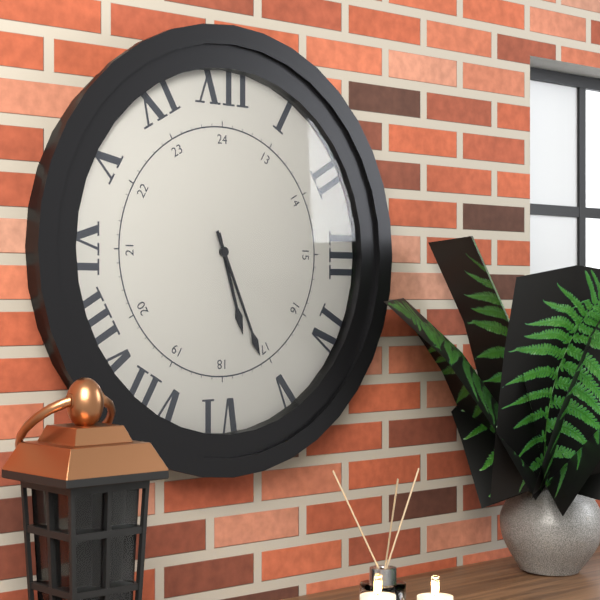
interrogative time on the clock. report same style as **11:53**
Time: **5:26**
